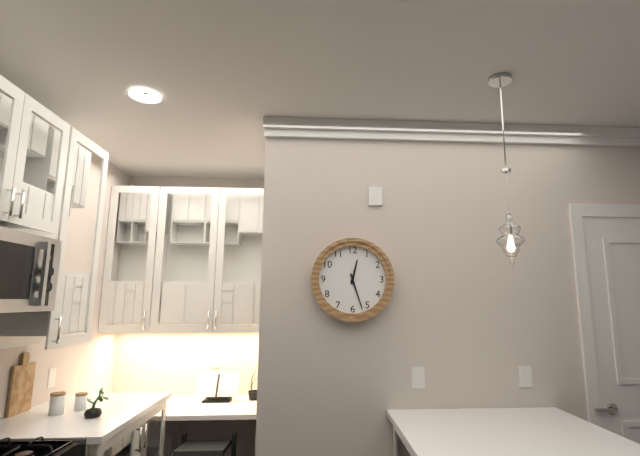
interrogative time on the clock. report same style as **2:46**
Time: **12:27**
